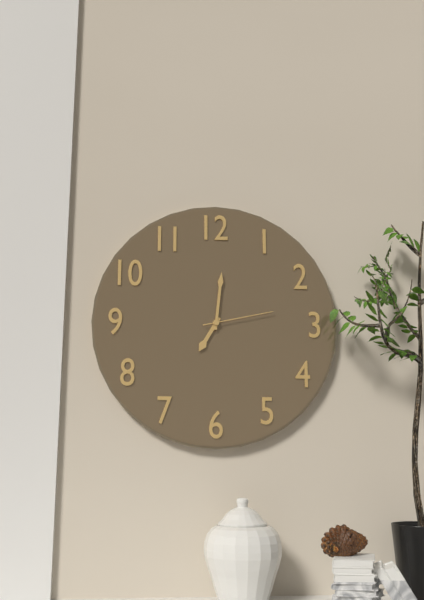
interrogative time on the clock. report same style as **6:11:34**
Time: **7:01:13**
